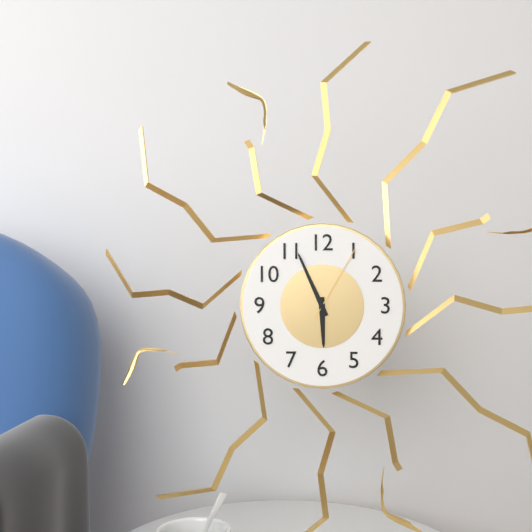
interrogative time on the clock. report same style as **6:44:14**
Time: **5:56:05**
